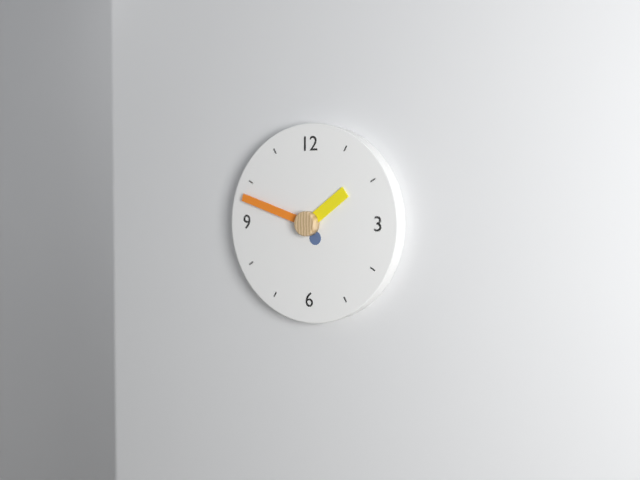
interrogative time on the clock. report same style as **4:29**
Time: **1:48**
